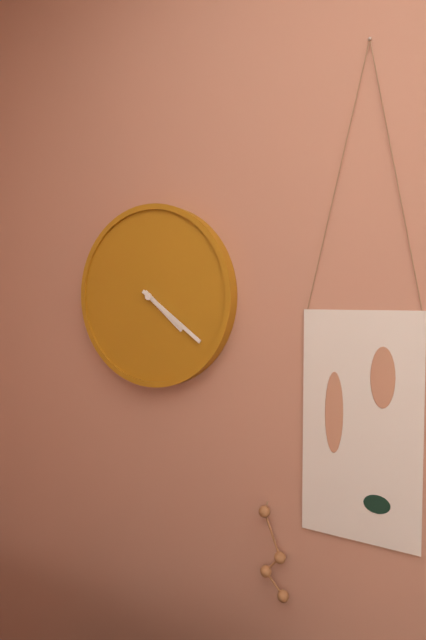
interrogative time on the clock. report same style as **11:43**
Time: **4:21**
